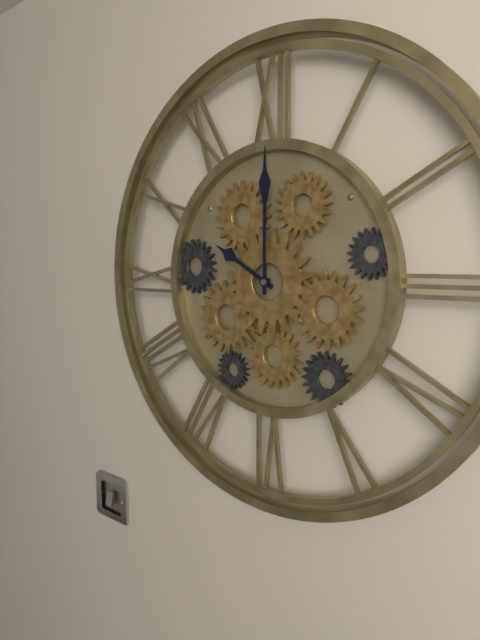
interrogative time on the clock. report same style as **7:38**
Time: **10:00**
